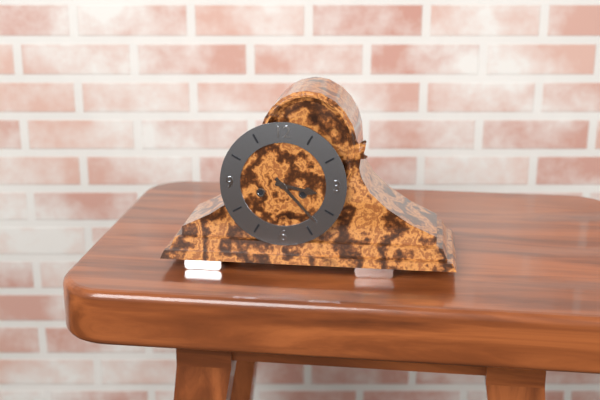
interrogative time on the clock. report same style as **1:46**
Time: **3:23**
